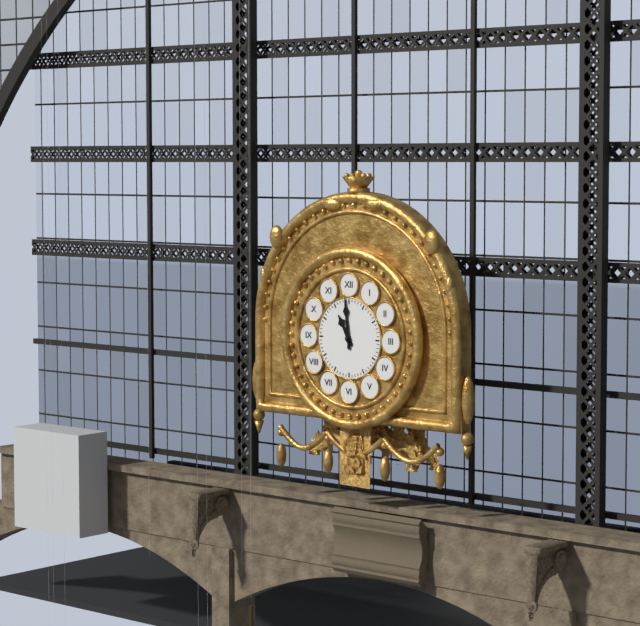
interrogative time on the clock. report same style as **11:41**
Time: **10:59**
